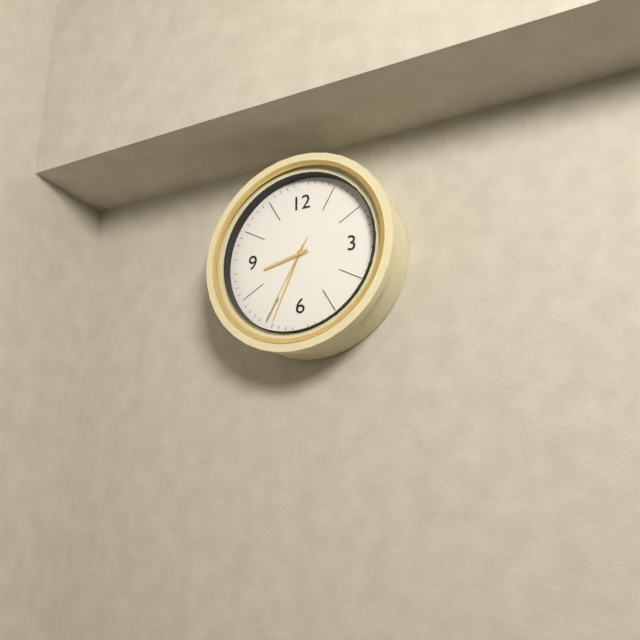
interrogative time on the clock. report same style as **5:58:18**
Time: **8:34:35**
